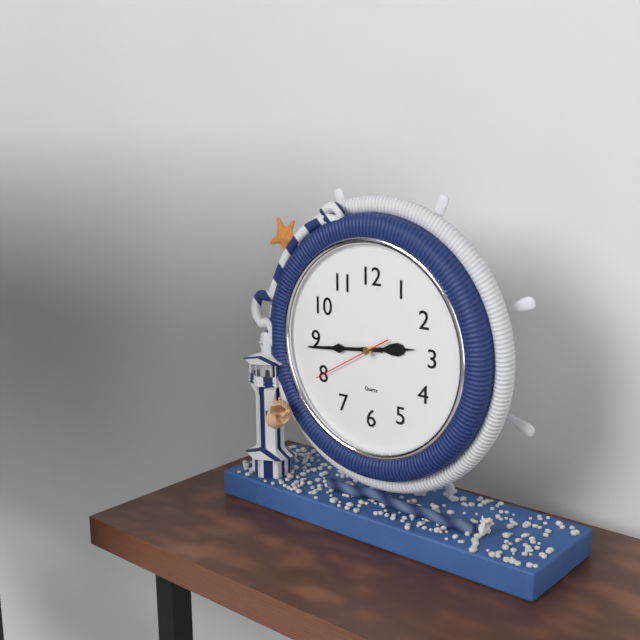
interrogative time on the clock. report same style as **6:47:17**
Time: **2:44:40**
